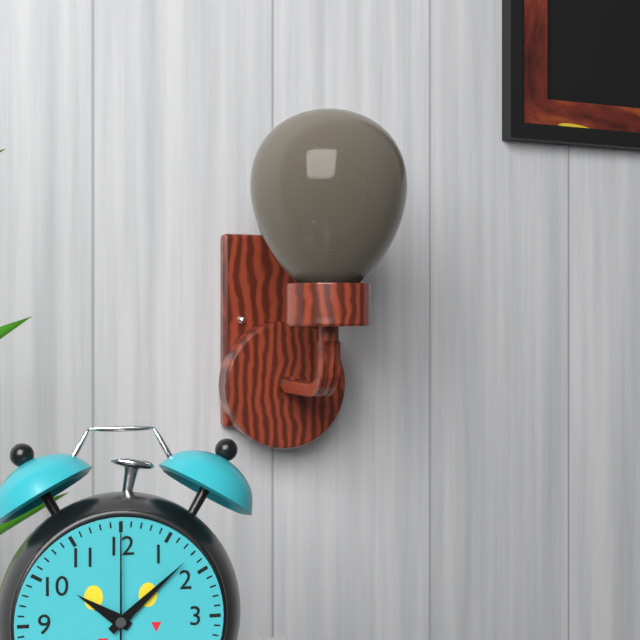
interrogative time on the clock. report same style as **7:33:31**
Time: **10:08:00**
